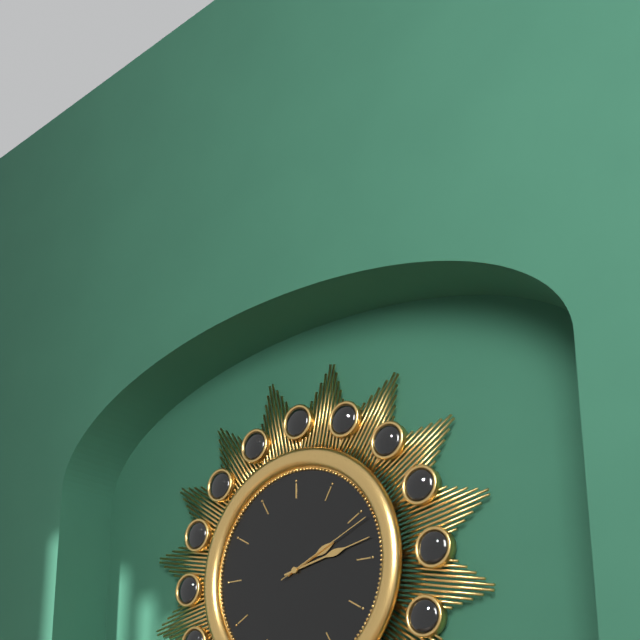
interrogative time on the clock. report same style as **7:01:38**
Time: **2:13:11**
